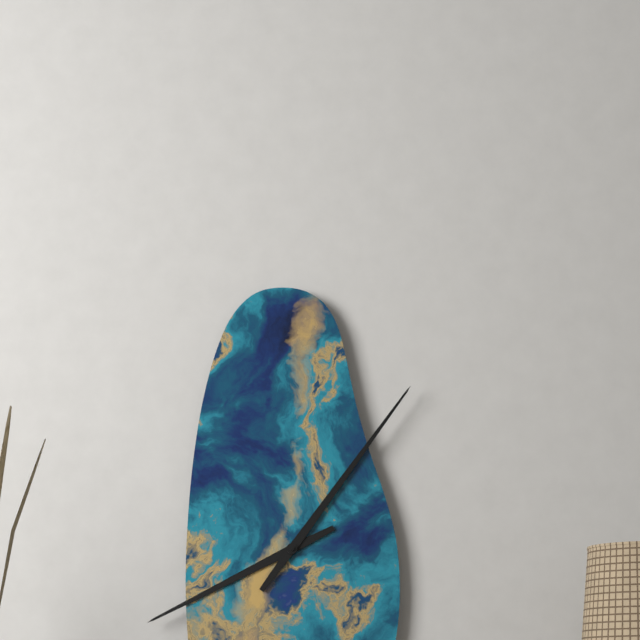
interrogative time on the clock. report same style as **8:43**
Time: **8:06**
